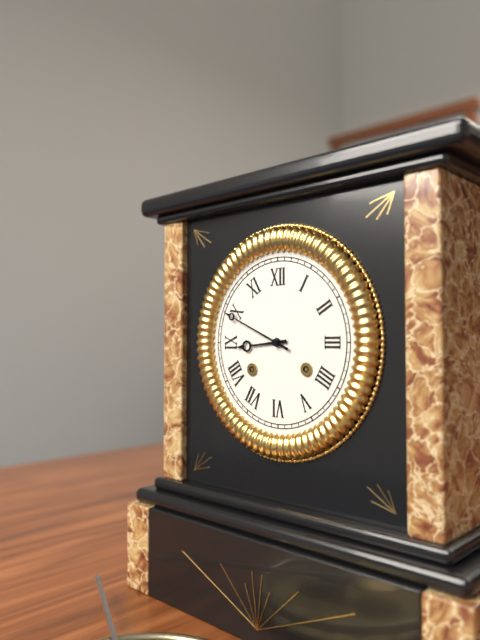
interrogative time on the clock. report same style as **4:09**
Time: **8:49**
